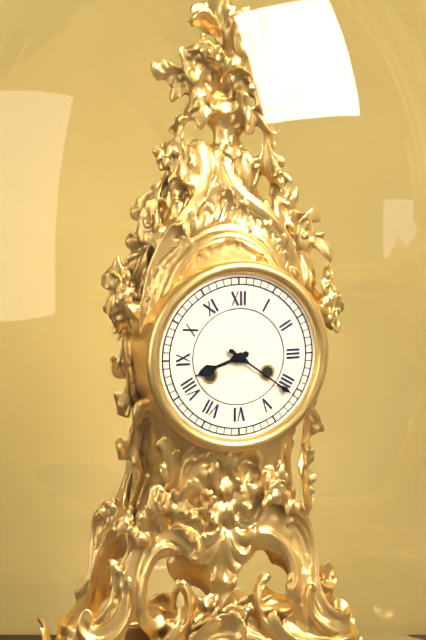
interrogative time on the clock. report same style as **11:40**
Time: **8:21**
